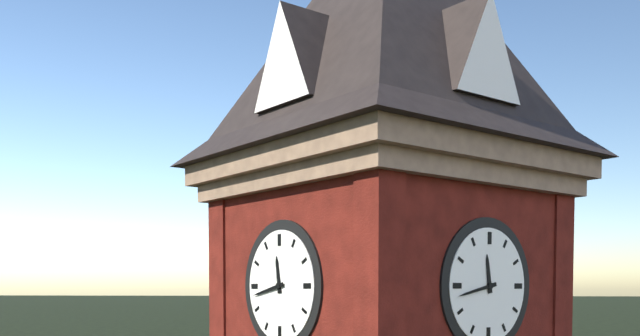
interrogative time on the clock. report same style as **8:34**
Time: **11:43**
